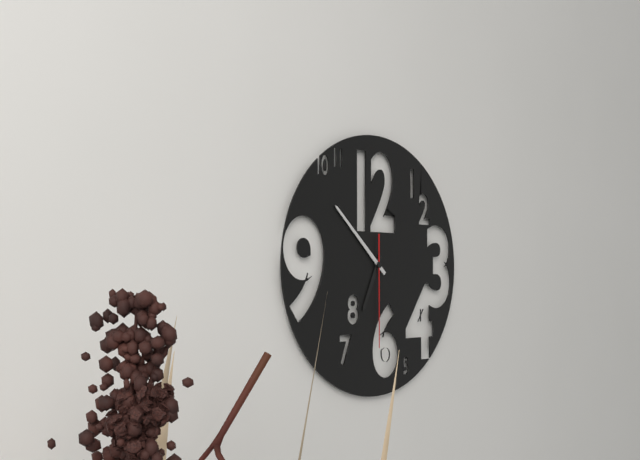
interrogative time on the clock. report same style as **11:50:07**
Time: **6:52:30**
